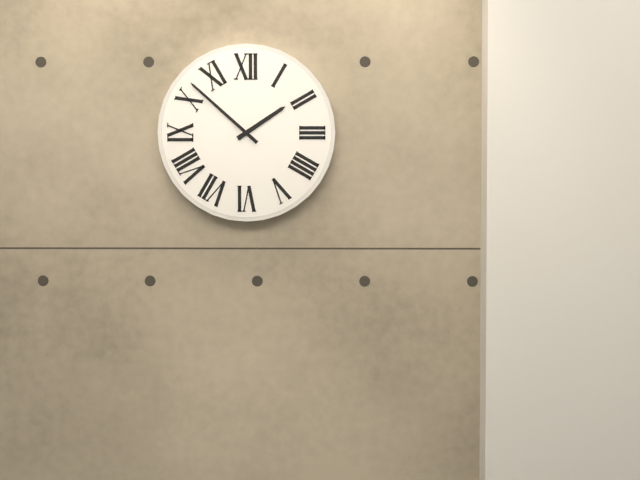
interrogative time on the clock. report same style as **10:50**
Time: **1:52**
